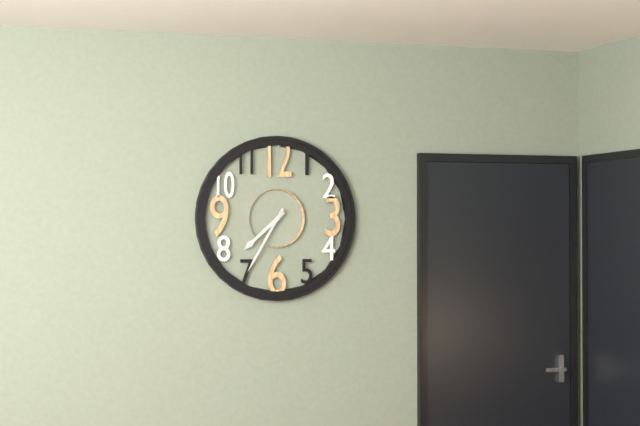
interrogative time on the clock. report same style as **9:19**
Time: **7:35**
